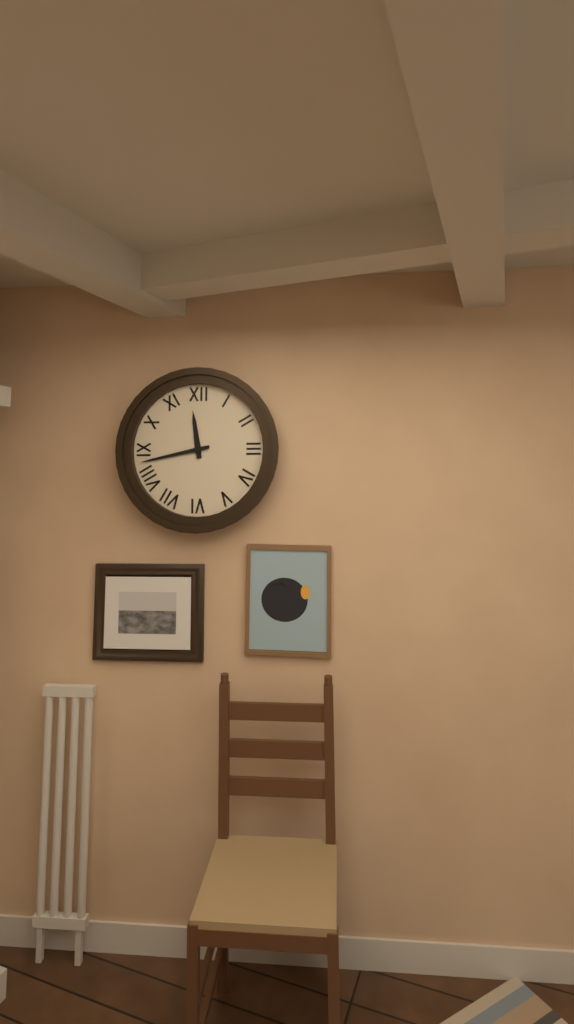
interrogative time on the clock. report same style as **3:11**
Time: **11:43**
